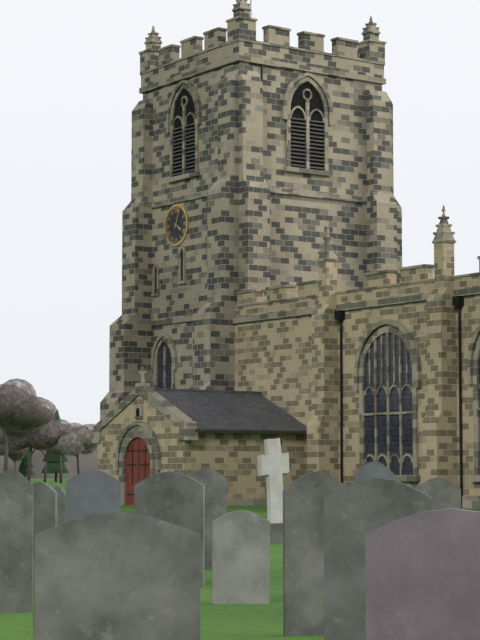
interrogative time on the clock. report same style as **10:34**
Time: **4:04**
